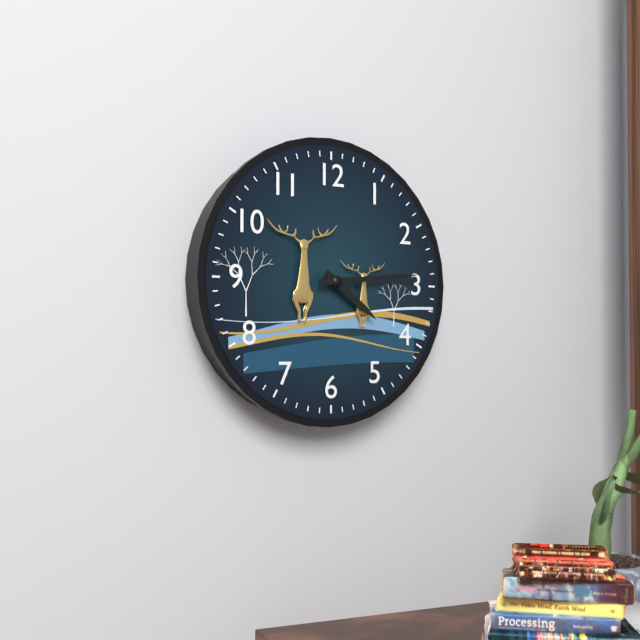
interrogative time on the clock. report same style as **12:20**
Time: **4:14**
